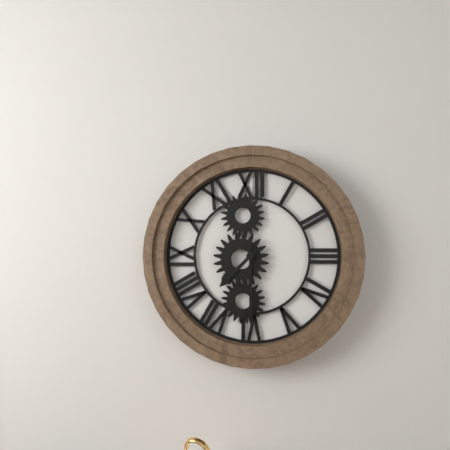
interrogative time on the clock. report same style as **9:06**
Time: **7:30**
